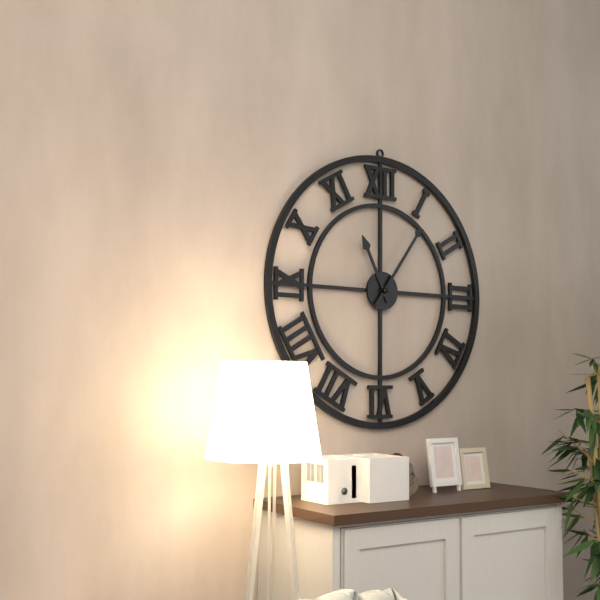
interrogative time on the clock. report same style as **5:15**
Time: **11:06**
